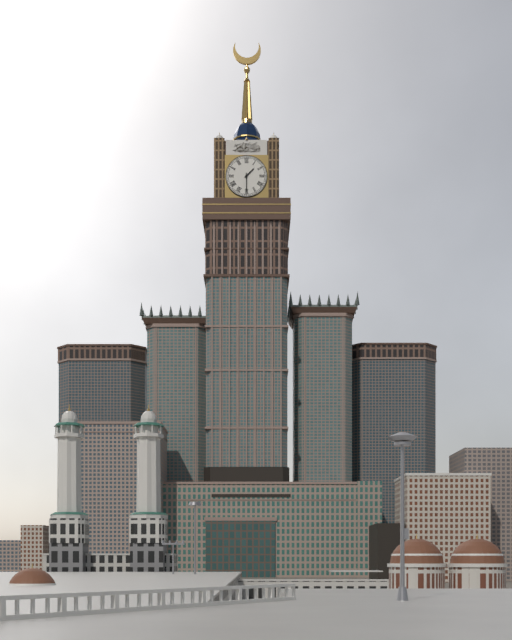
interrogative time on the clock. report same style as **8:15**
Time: **1:30**
